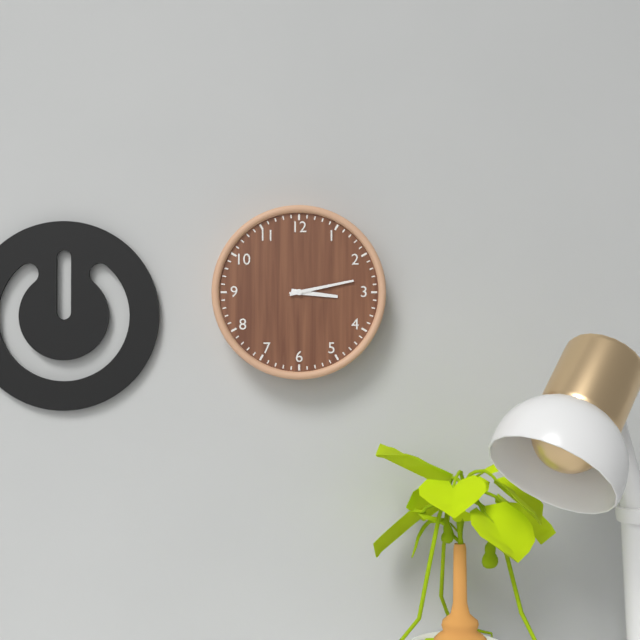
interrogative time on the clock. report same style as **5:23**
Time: **3:13**
